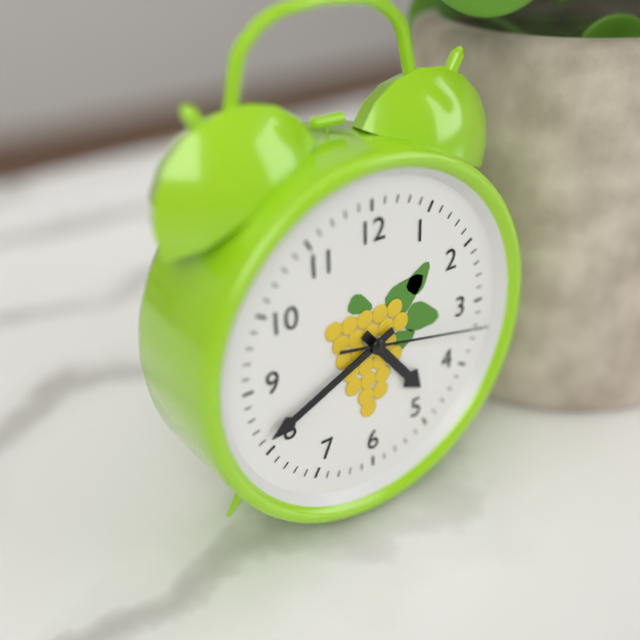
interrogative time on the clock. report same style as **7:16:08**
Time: **4:41:17**
